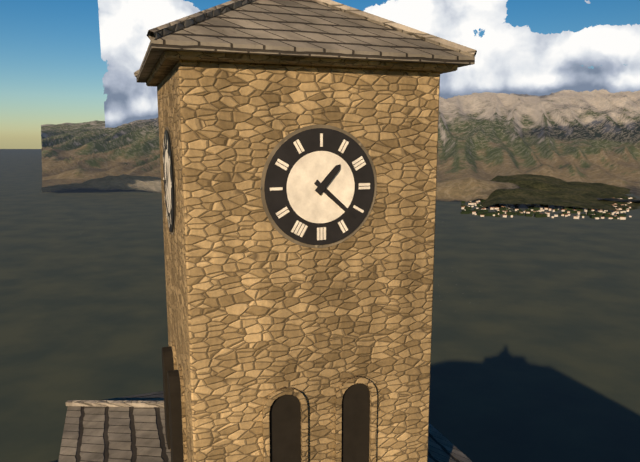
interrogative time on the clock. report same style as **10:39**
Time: **1:22**
